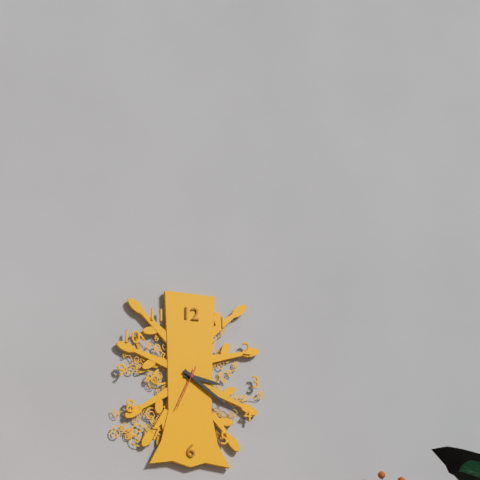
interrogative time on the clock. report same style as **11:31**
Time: **3:21**
